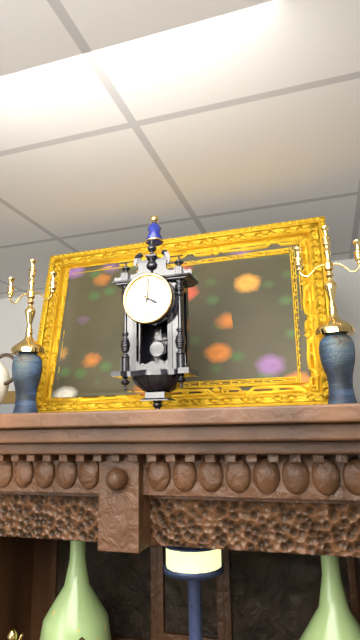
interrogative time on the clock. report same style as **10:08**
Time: **4:01**
